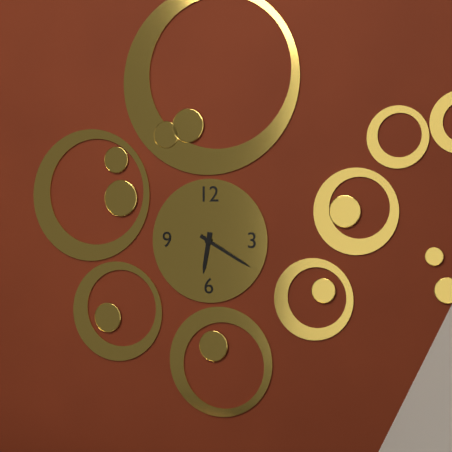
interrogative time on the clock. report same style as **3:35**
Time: **6:20**
